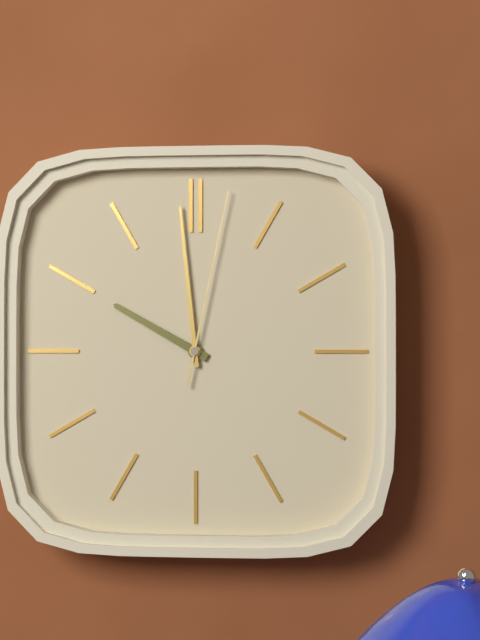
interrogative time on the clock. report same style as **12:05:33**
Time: **9:59:02**
